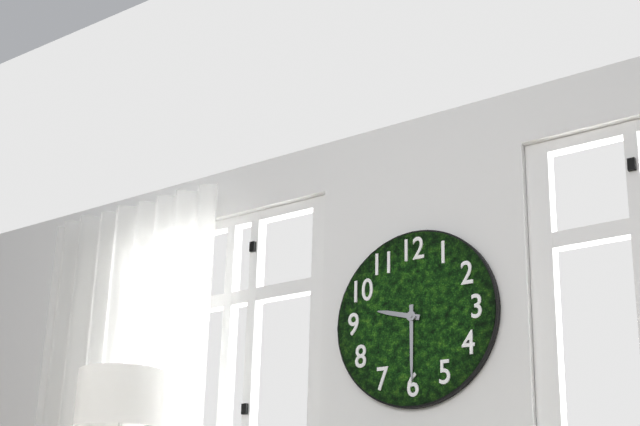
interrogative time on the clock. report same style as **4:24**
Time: **9:30**
